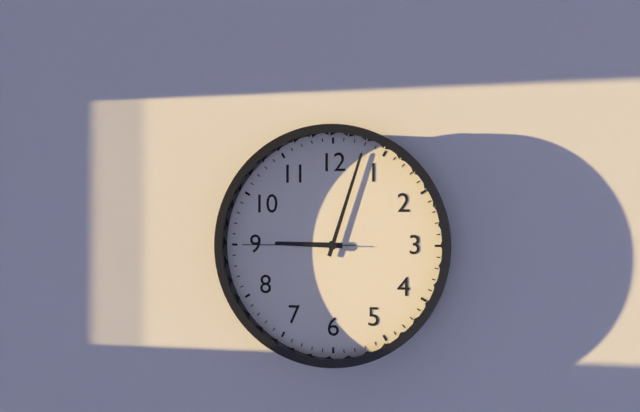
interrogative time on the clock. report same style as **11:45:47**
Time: **9:03:45**
